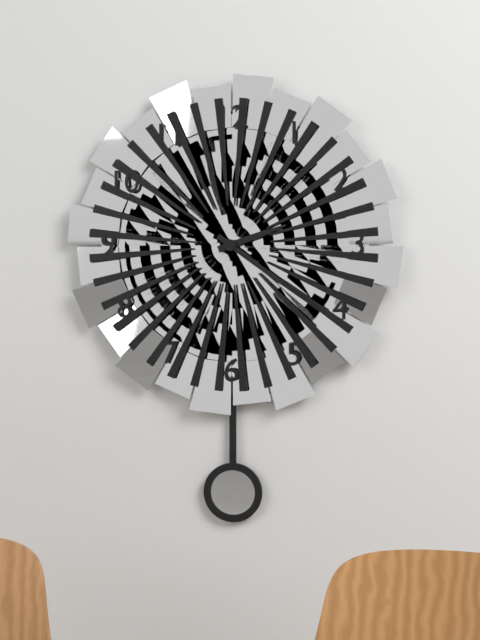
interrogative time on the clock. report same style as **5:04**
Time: **2:21**
